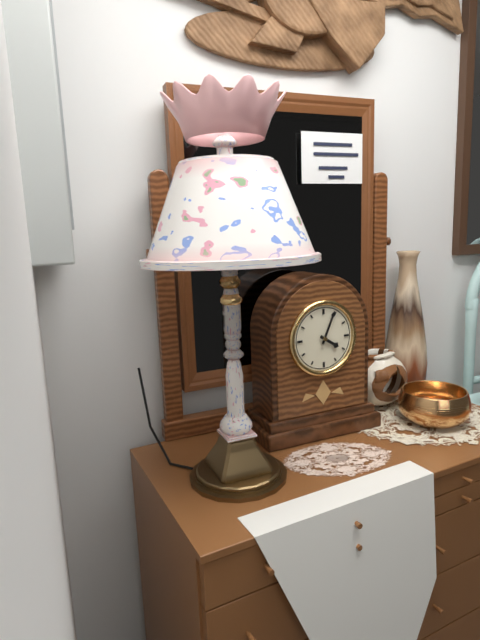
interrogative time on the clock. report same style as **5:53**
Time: **4:04**
